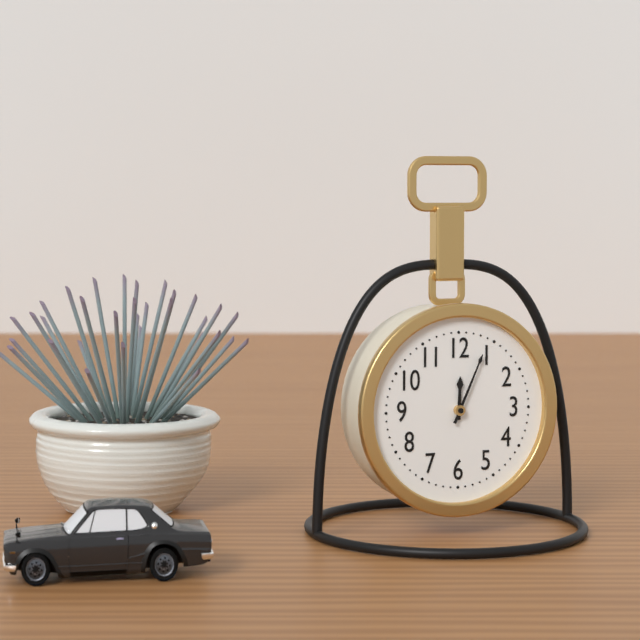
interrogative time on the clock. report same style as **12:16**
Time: **12:04**
